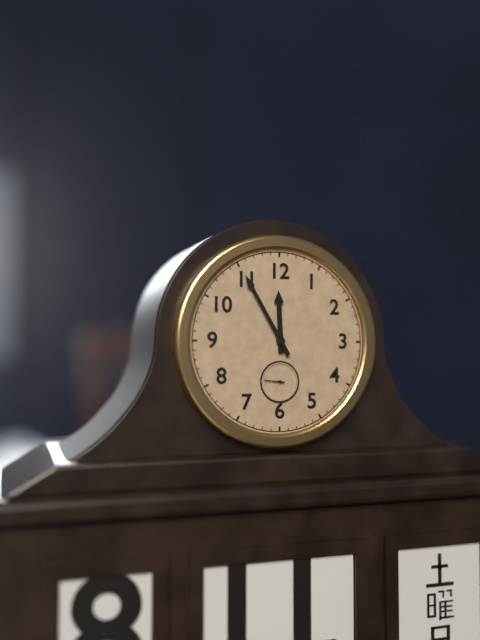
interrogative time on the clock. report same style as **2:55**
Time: **11:55**
